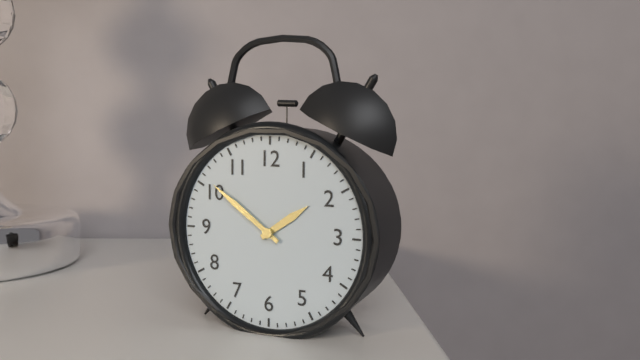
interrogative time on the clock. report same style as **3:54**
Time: **1:51**
